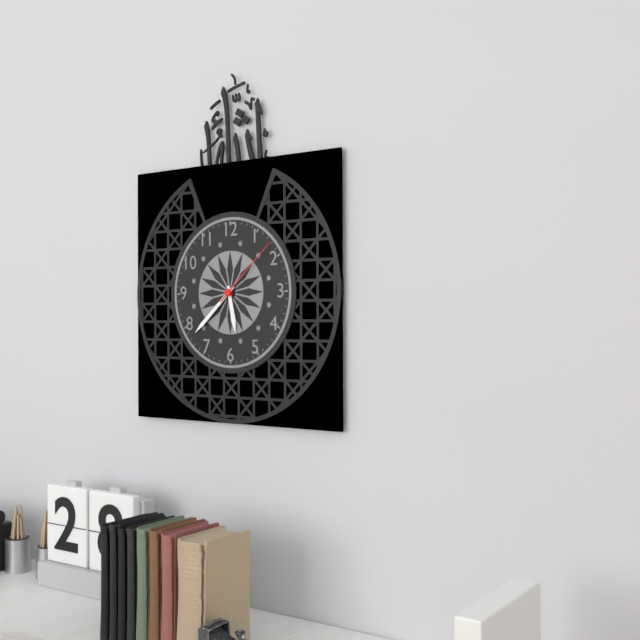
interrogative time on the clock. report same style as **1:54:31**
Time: **5:38:08**
